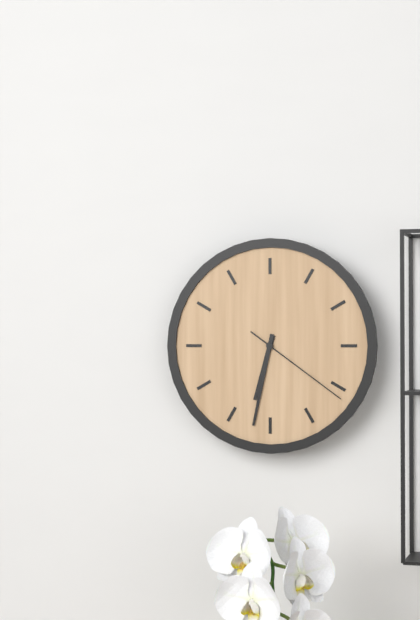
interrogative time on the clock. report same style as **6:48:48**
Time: **6:32:21**
